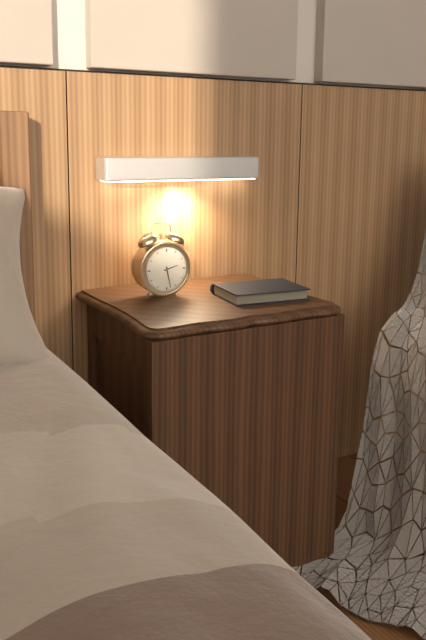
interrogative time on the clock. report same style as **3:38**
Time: **2:28**
